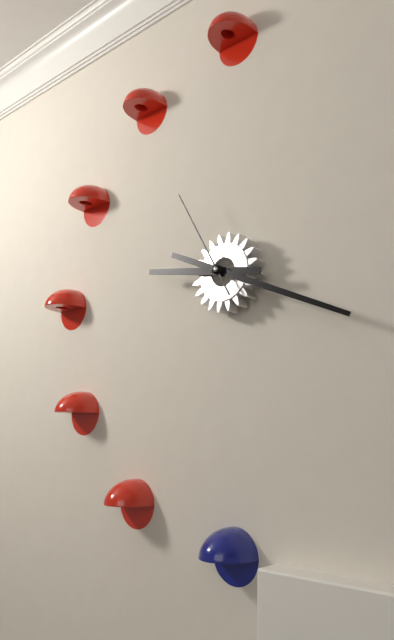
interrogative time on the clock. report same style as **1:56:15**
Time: **9:19:55**
